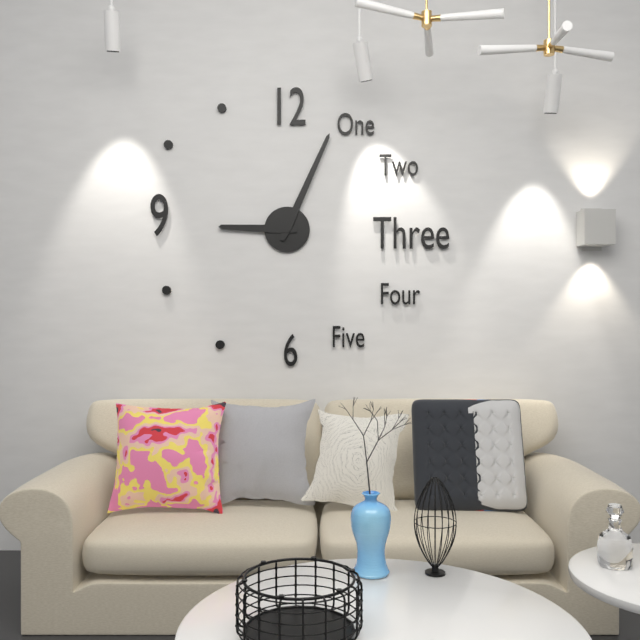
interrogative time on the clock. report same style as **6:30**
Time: **9:04**
